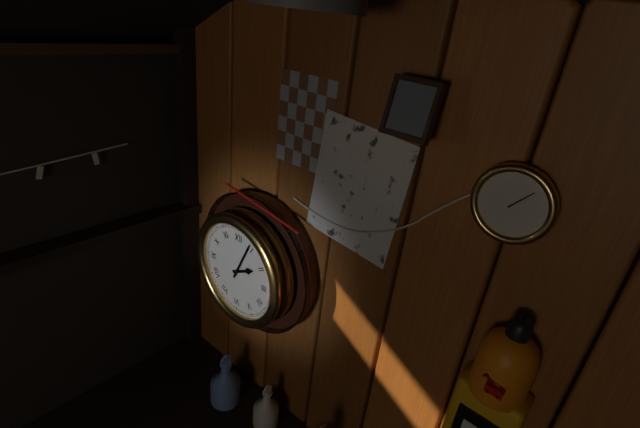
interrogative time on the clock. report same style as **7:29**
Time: **2:04**
